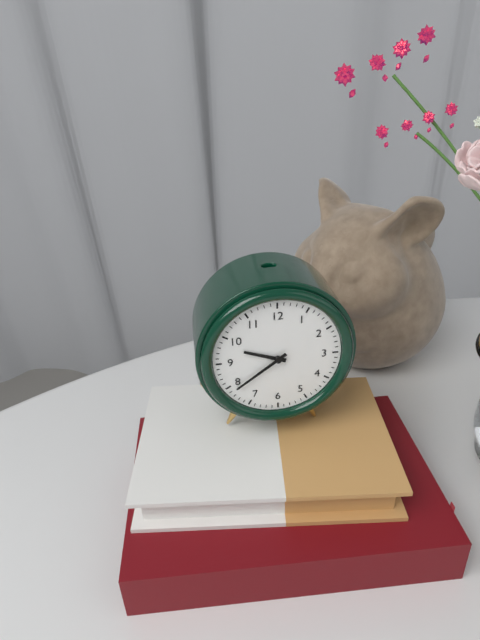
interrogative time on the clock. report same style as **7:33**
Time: **9:39**
